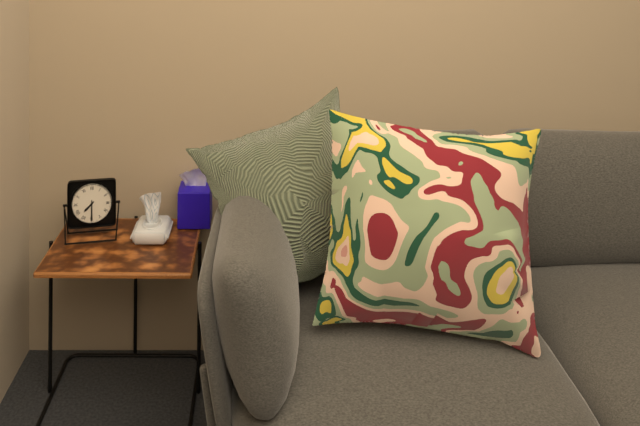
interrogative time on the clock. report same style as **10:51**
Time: **7:30**
